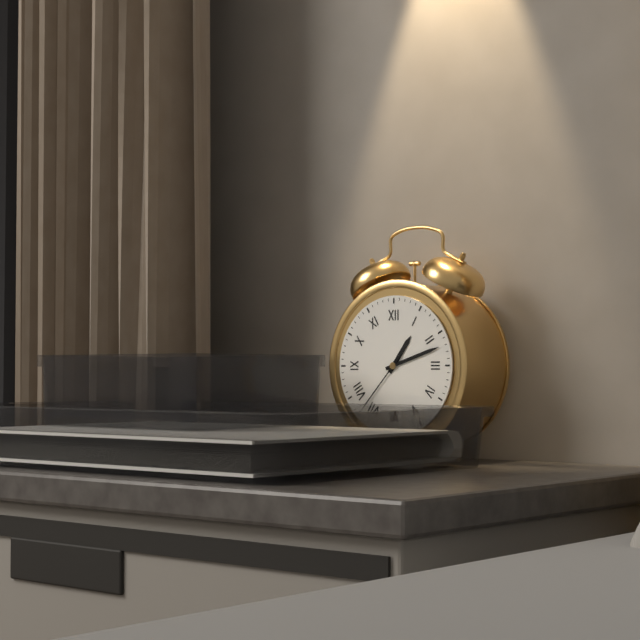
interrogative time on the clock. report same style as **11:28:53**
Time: **1:12:37**
